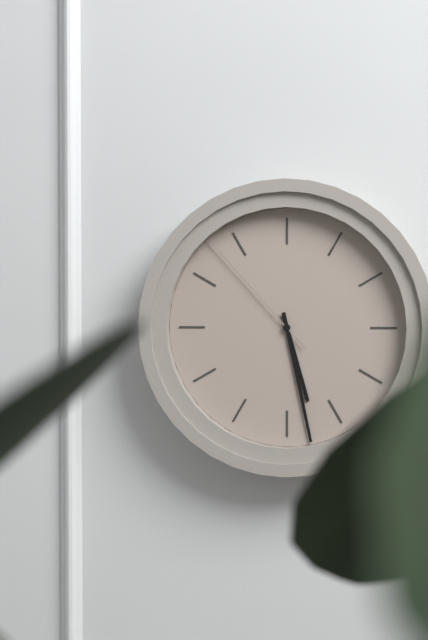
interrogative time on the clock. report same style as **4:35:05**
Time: **5:28:53**
